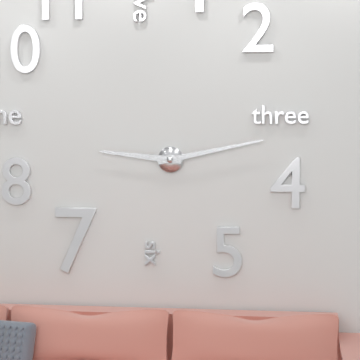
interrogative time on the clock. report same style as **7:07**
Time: **9:13**
